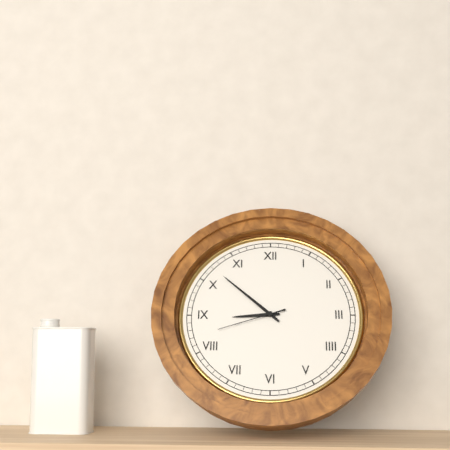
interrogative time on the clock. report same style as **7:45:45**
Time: **8:52:42**
